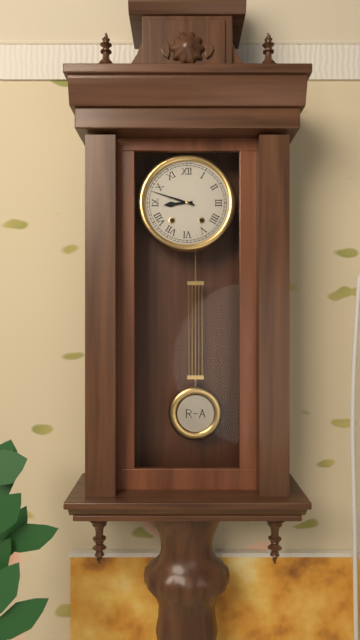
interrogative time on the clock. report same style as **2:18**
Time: **8:48**
